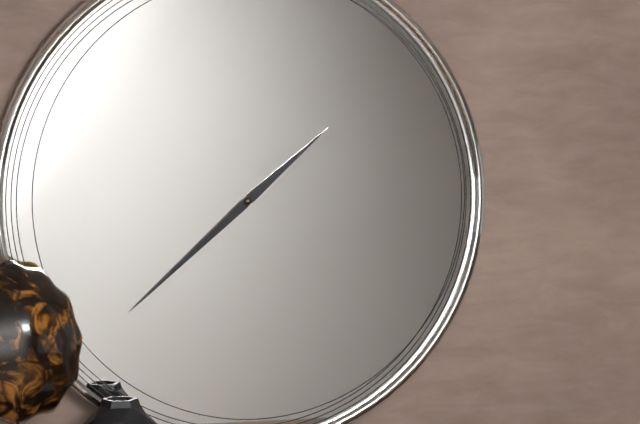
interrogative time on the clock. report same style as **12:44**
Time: **1:38**
